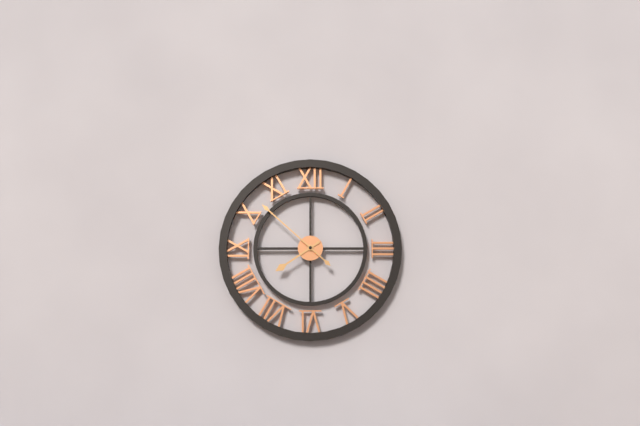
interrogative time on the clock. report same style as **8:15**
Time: **7:52**
